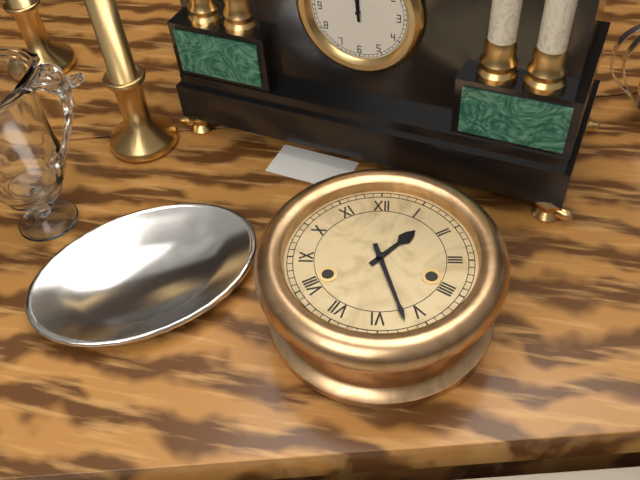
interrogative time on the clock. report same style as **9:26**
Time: **1:27**
